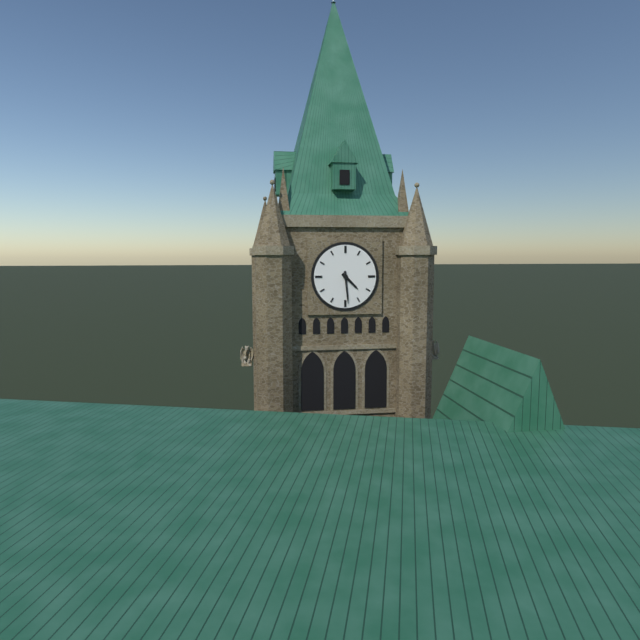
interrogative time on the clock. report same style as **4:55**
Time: **4:29**
